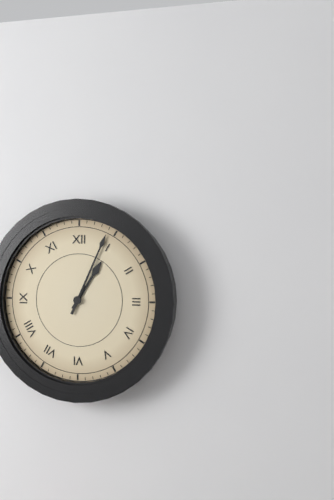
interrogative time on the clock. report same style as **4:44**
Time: **1:04**
